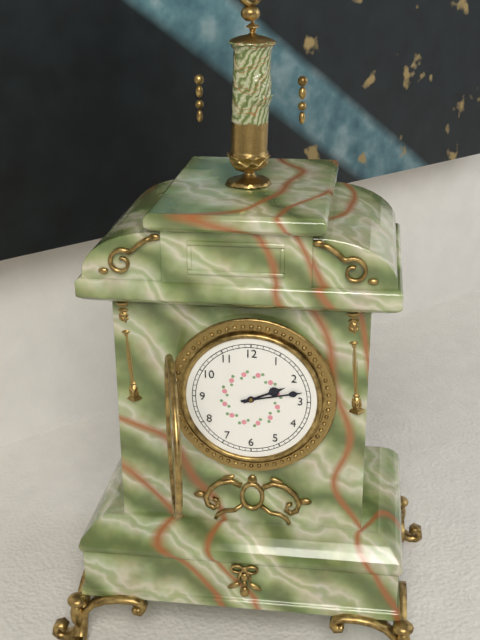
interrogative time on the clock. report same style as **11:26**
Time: **2:13**
